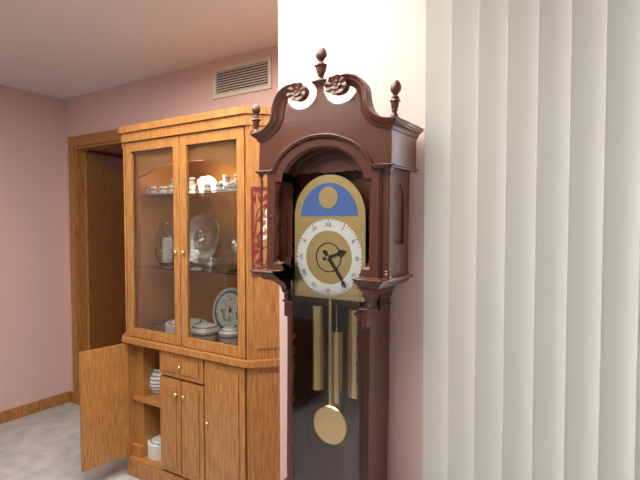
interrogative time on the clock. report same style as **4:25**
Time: **2:24**
